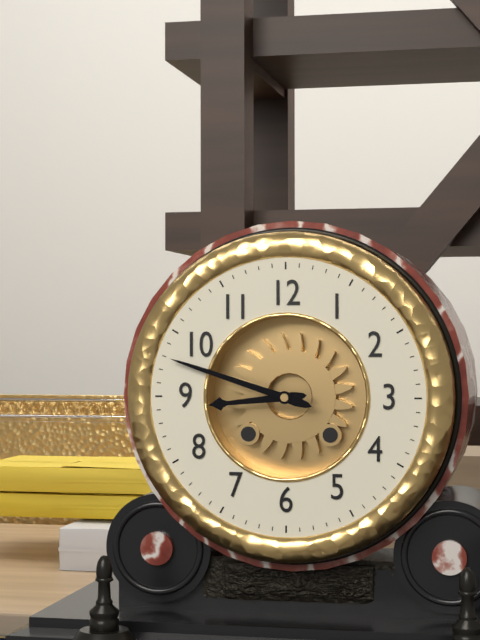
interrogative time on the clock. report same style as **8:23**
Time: **8:48**
